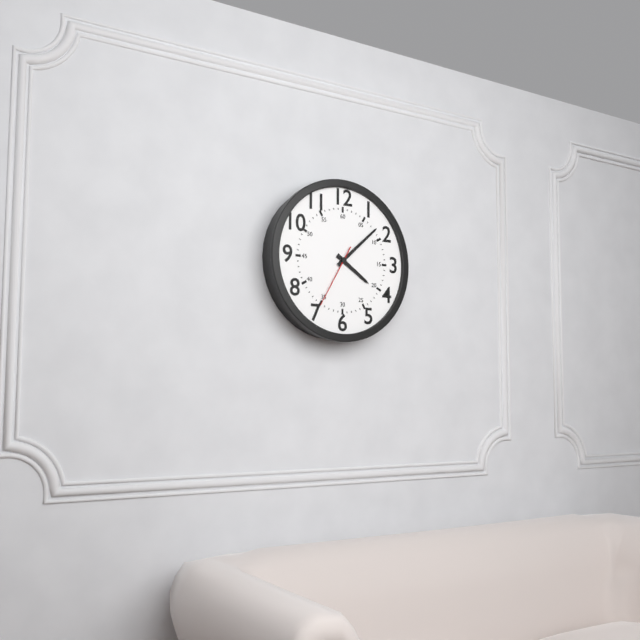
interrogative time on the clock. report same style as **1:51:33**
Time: **4:08:35**
